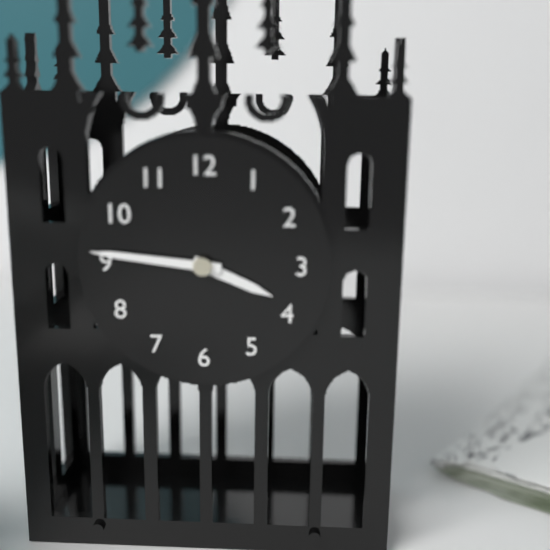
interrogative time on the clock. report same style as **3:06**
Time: **3:46**
